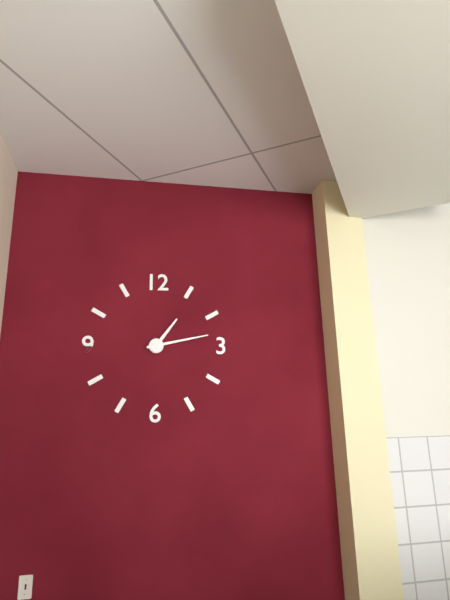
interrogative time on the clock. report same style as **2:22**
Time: **1:13**
